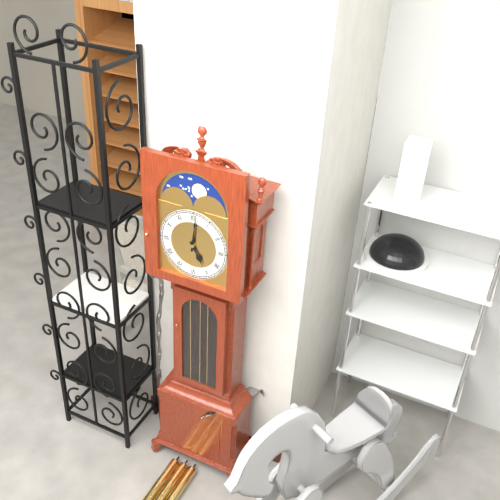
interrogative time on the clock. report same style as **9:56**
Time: **5:01**
